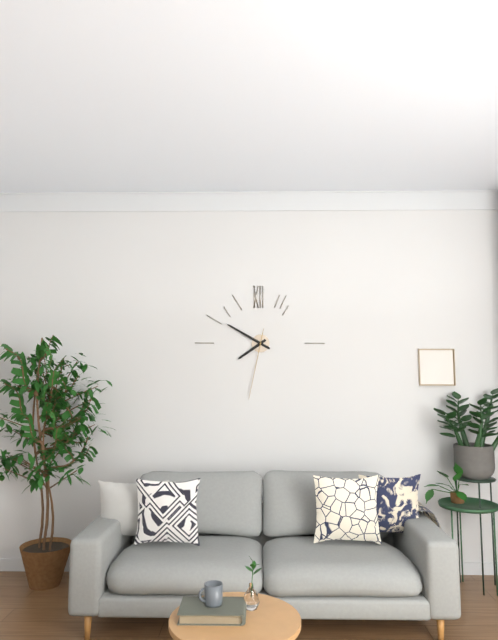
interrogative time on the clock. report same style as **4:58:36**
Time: **7:50:32**
